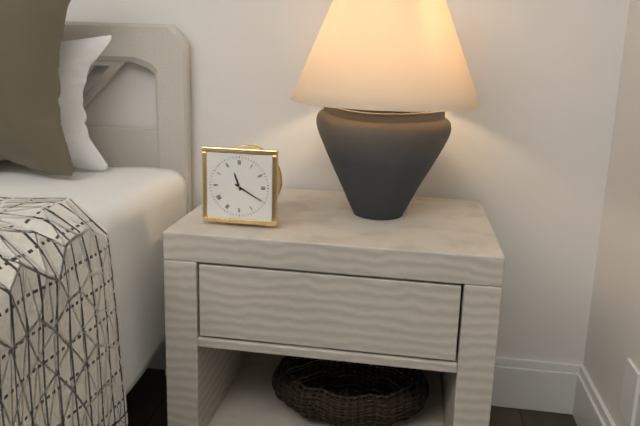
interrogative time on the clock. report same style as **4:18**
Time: **11:20**
